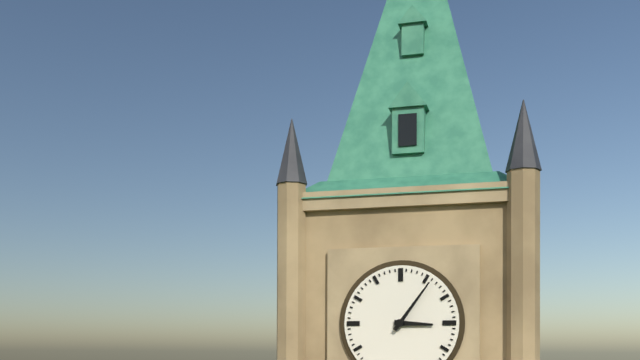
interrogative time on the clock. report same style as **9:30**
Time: **3:06**
